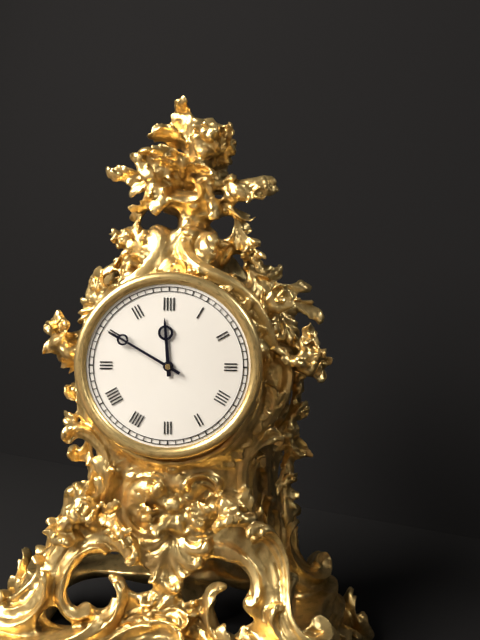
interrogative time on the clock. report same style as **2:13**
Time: **11:50**
